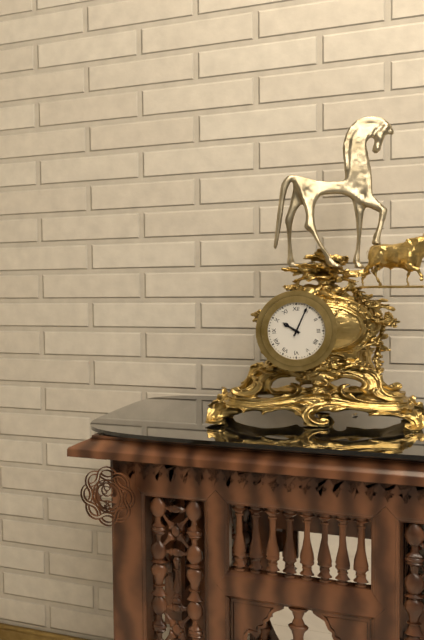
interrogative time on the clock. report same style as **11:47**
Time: **10:04**
